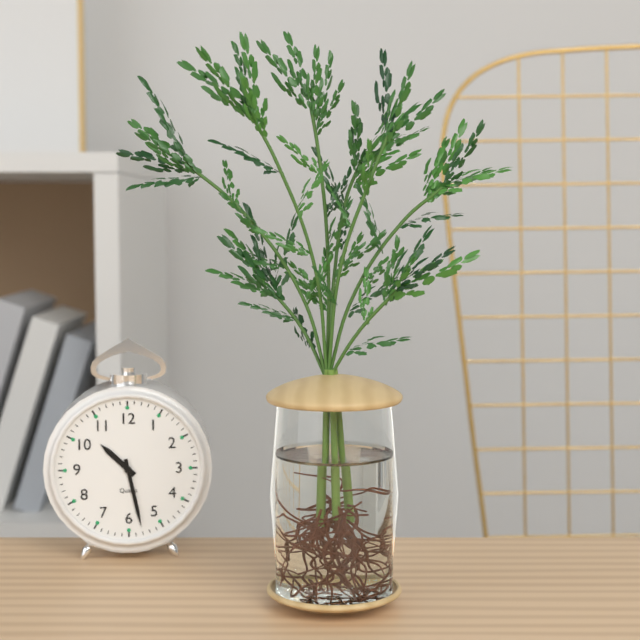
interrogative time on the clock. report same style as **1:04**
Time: **10:28**
